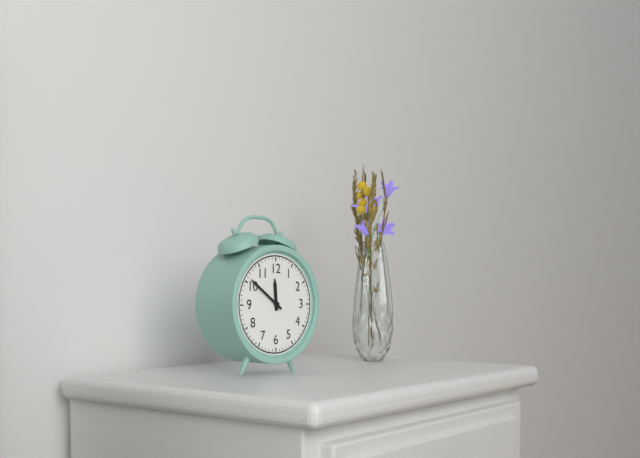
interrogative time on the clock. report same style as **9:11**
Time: **11:51**
